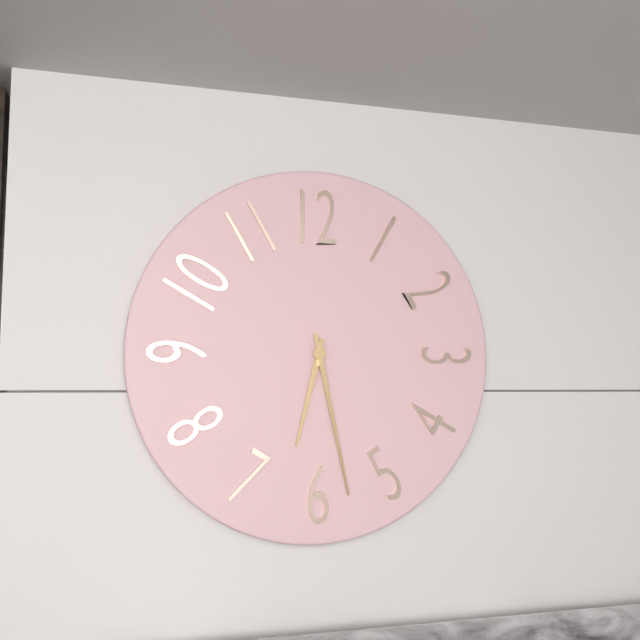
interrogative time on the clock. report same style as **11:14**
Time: **6:28**
